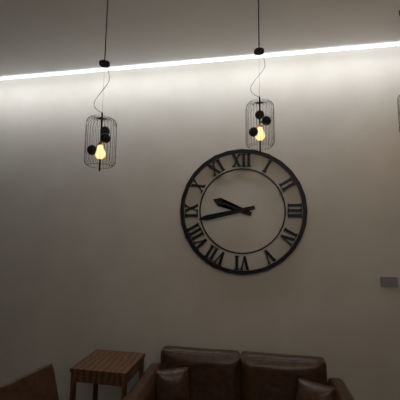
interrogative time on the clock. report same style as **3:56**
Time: **9:43**
